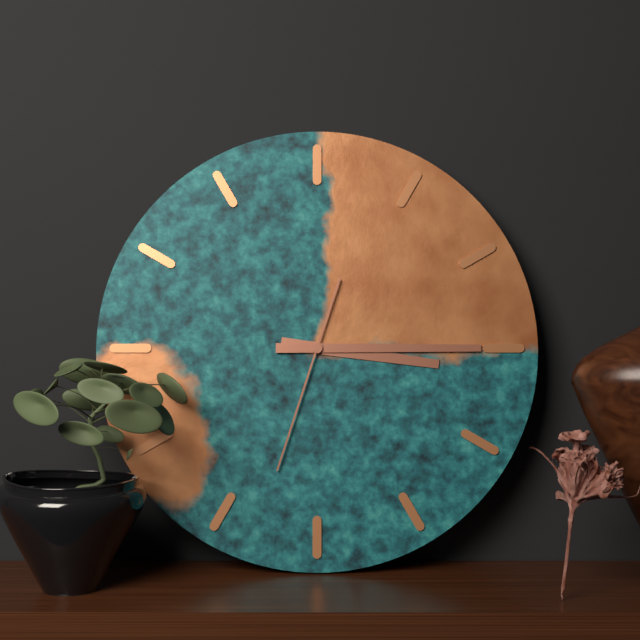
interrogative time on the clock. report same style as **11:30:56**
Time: **3:15:33**
